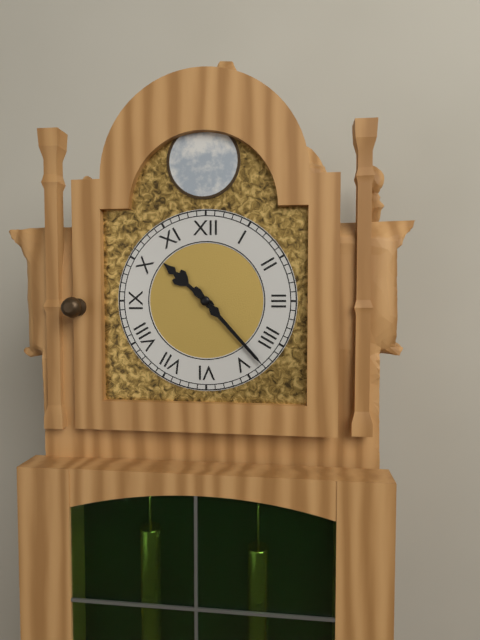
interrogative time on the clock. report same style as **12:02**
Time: **10:23**
